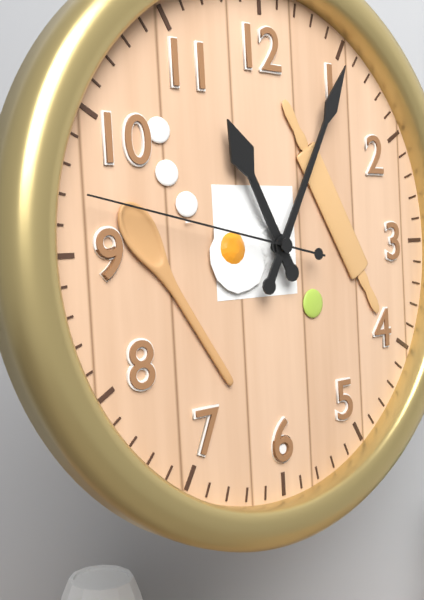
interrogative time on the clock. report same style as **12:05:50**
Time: **11:05:47**
